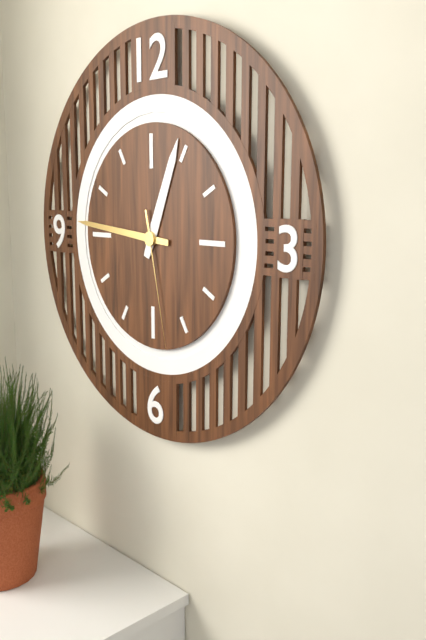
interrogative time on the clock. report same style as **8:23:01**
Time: **12:46:28**
